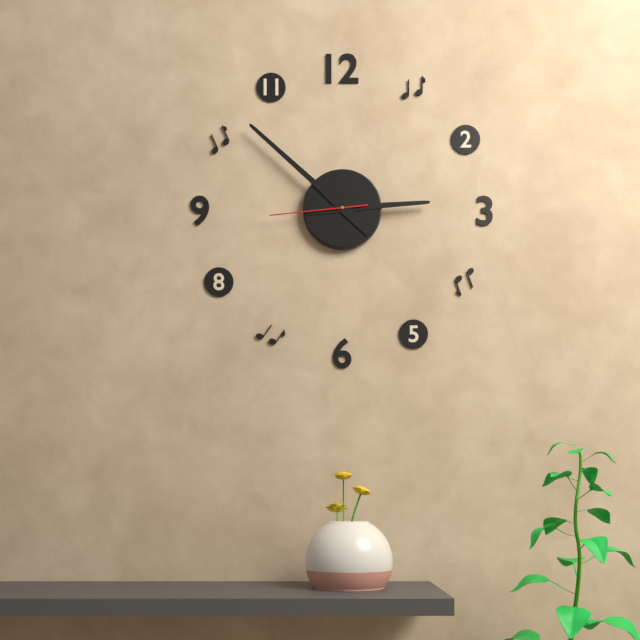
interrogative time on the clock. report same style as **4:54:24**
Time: **2:52:44**
